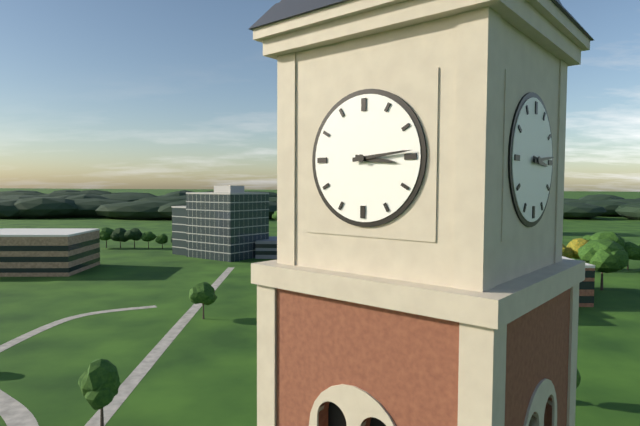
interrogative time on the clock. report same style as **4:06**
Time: **3:14**
